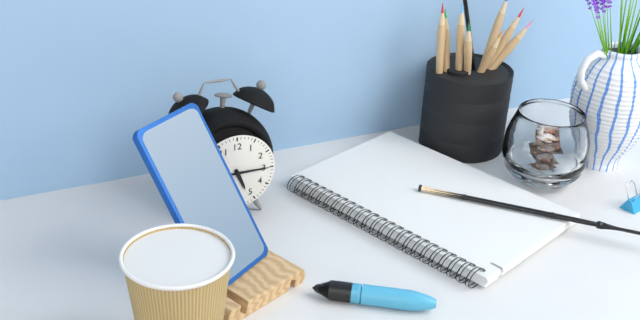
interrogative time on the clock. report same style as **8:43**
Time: **5:15**
